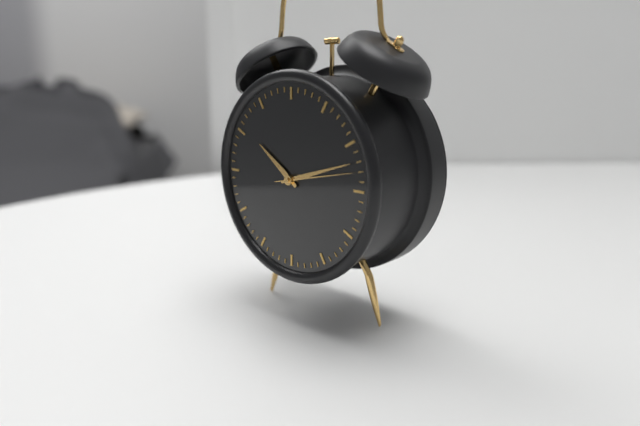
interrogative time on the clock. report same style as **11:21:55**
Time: **10:12:13**
